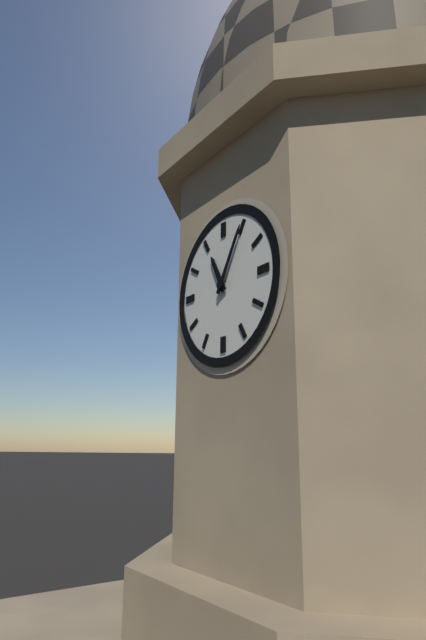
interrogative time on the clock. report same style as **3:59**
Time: **11:05**
